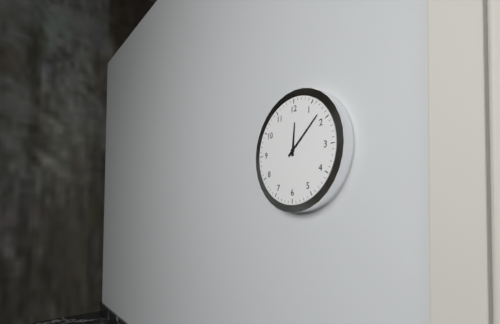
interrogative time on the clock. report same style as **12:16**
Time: **12:08**
